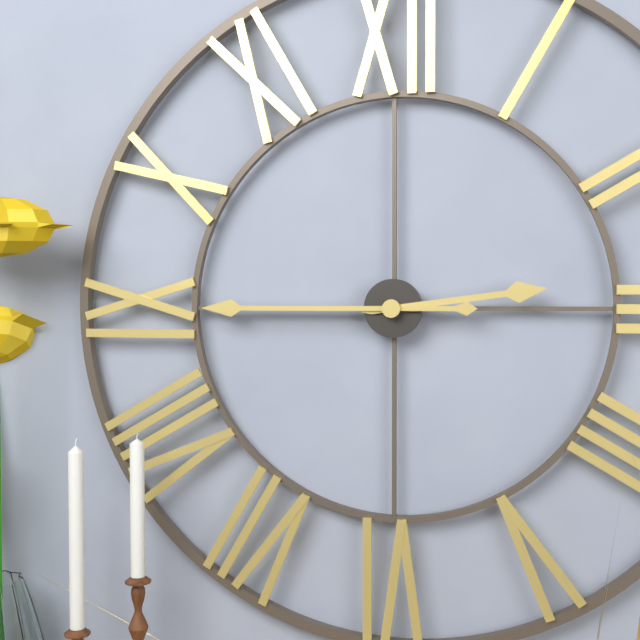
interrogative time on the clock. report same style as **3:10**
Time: **2:45**
